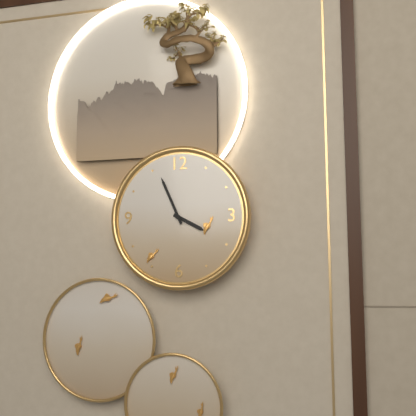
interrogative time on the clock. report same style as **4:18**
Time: **3:56**
